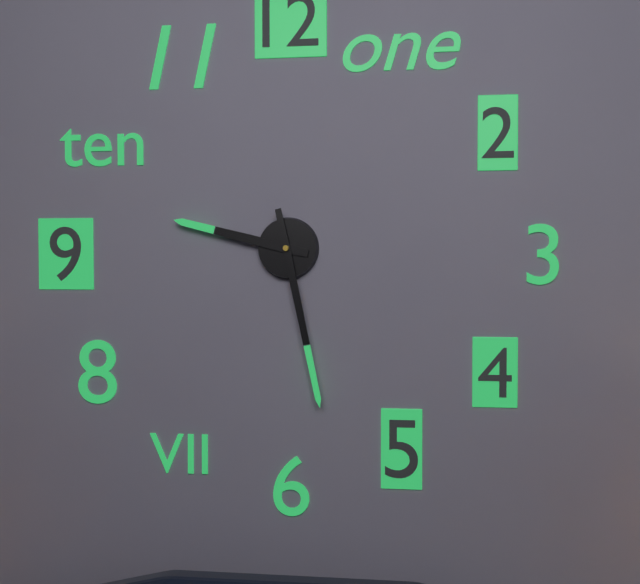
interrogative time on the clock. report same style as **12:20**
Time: **9:28**
